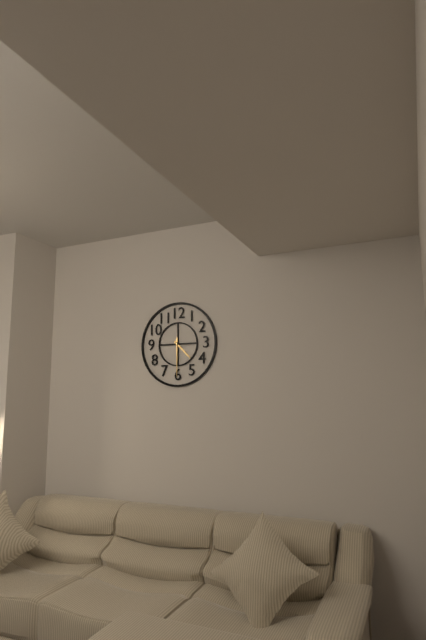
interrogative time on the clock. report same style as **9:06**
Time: **4:30**
